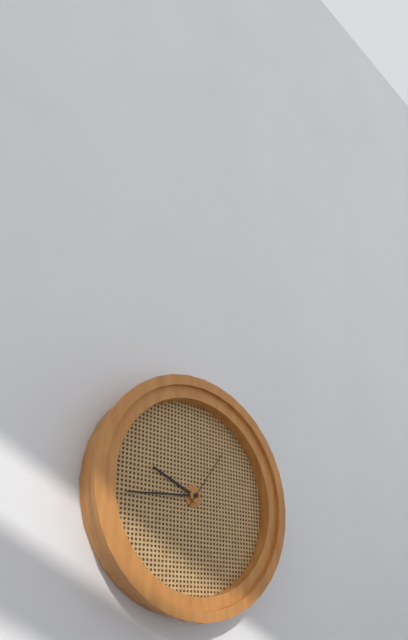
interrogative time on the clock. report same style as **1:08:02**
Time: **9:44:06**
